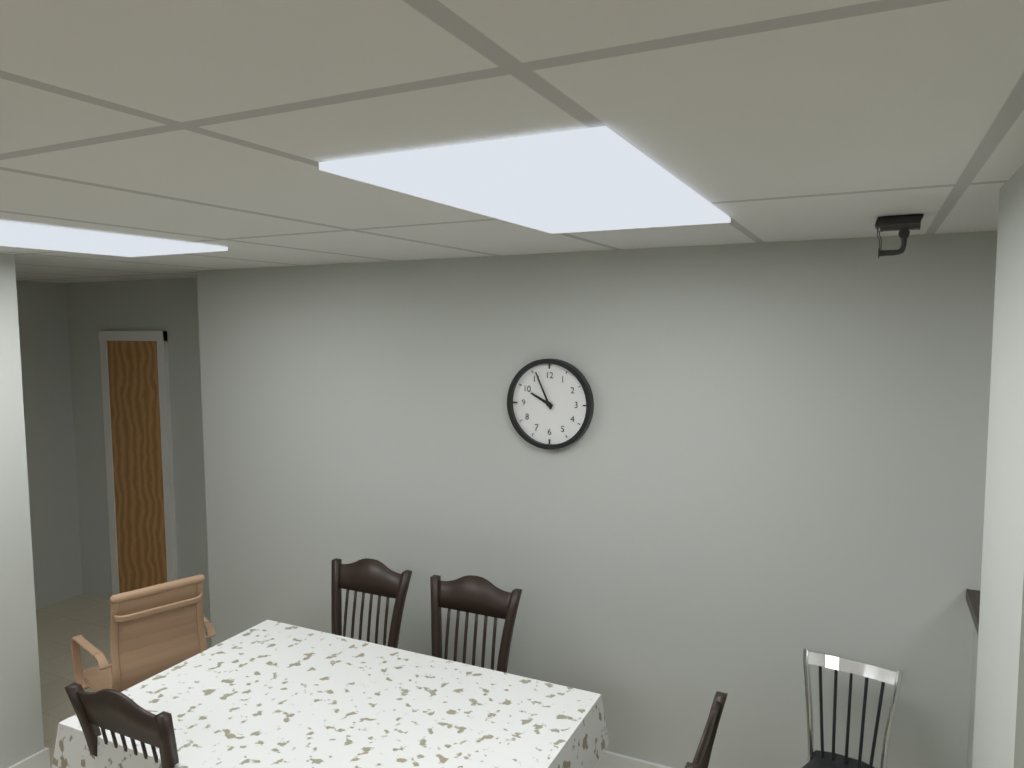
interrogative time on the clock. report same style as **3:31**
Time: **9:56**
